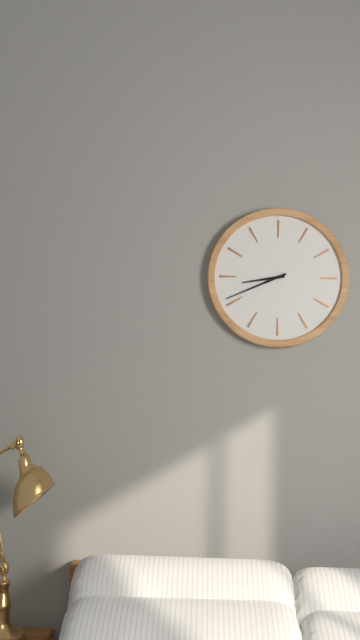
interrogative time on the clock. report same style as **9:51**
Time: **8:41**
